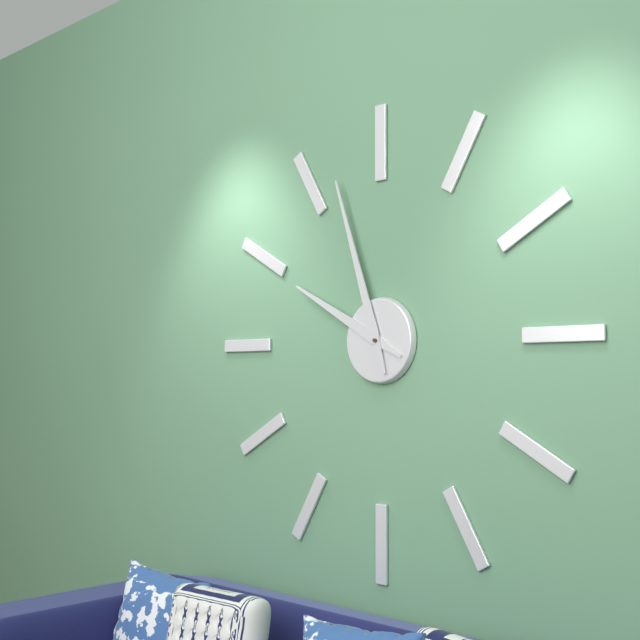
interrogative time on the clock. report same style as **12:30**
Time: **9:57**
